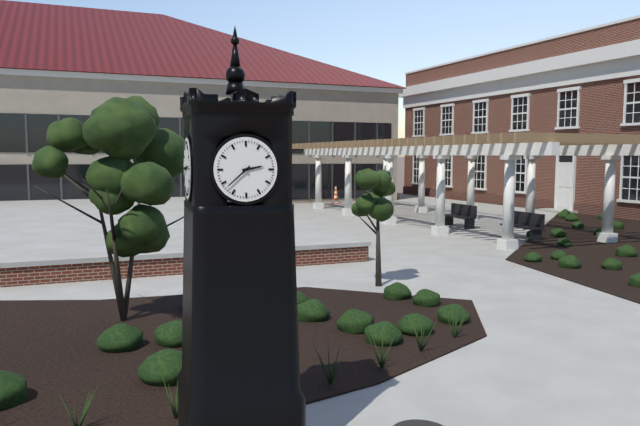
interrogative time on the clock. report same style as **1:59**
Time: **2:38**
